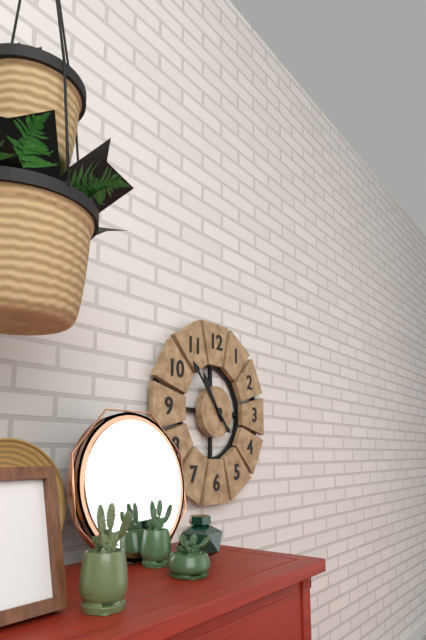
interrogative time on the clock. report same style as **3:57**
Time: **10:53**
